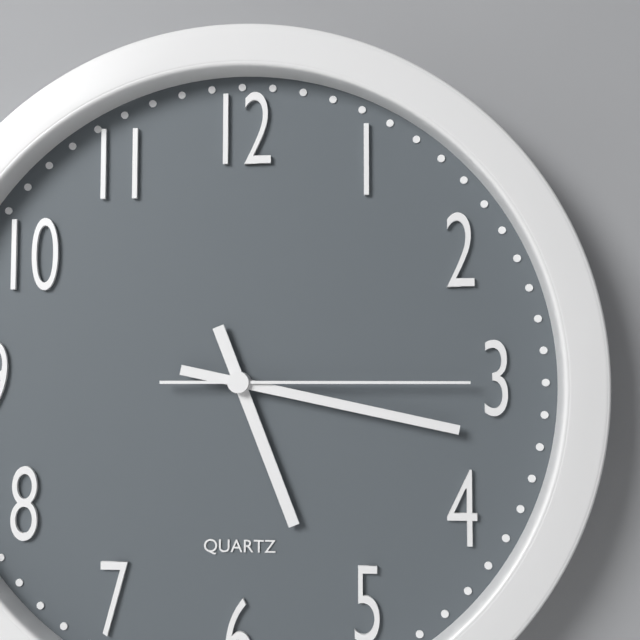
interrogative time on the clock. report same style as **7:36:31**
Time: **5:17:15**
